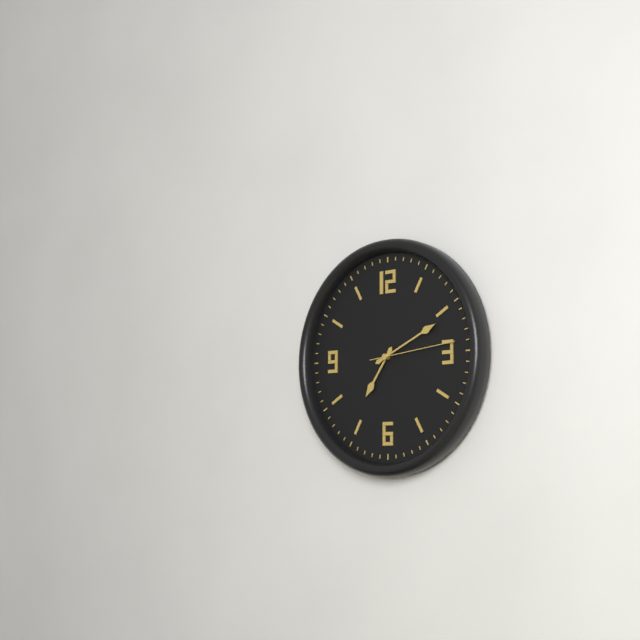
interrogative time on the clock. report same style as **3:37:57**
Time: **7:11:14**
